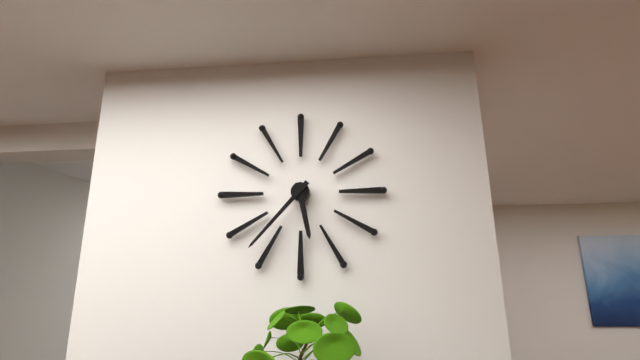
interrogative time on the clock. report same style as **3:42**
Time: **5:37**
